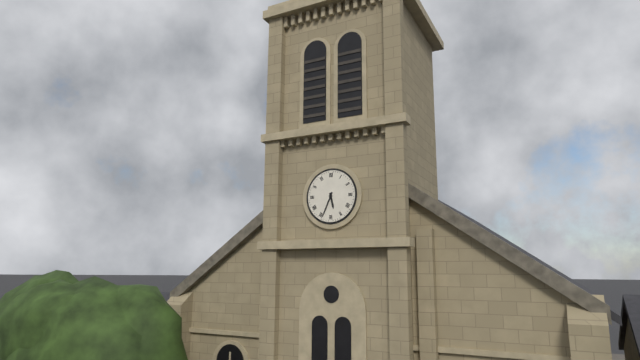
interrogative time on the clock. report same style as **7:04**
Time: **5:34**
